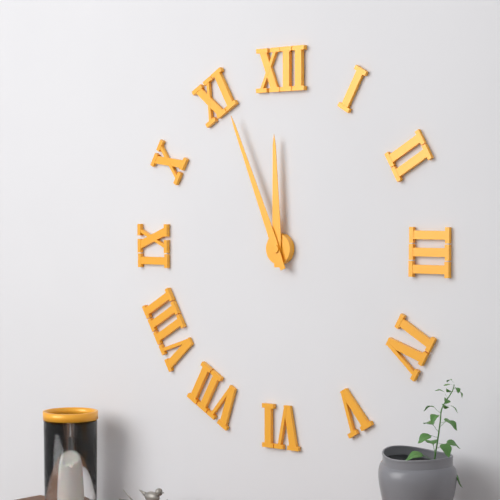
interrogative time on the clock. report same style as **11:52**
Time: **11:56**
